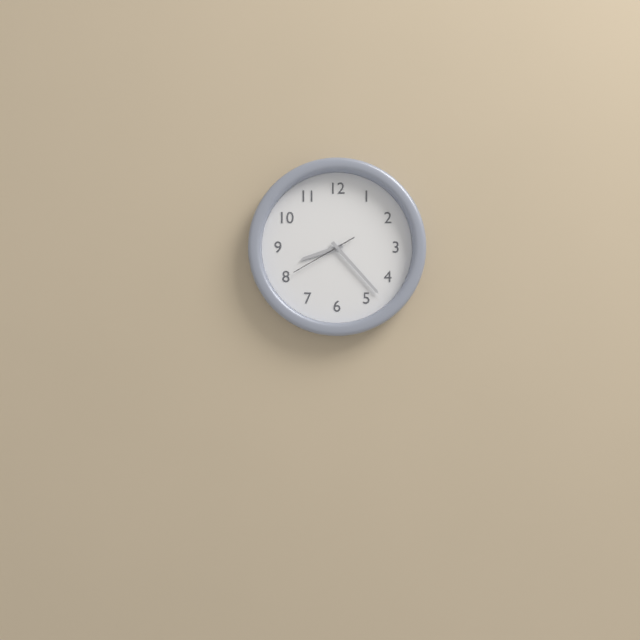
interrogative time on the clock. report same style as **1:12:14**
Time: **8:23:40**
